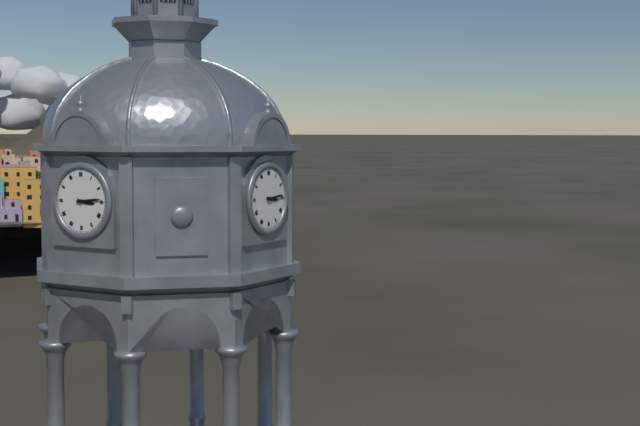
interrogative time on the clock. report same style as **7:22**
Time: **3:14**
